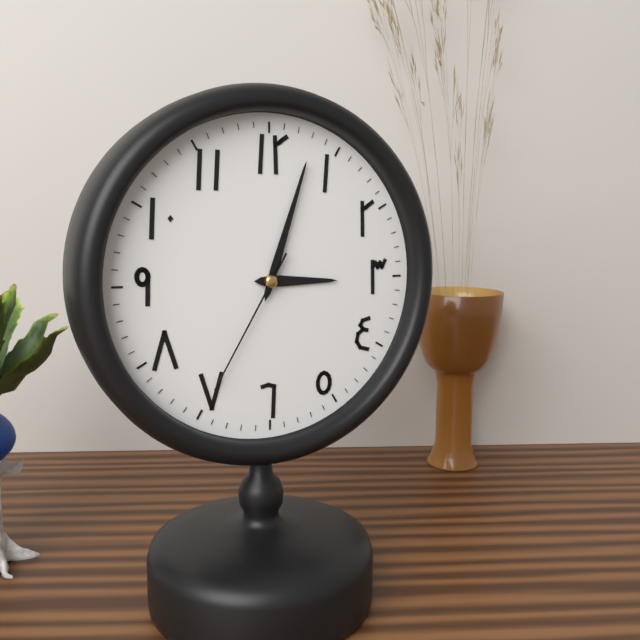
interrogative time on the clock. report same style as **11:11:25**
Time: **3:03:35**
